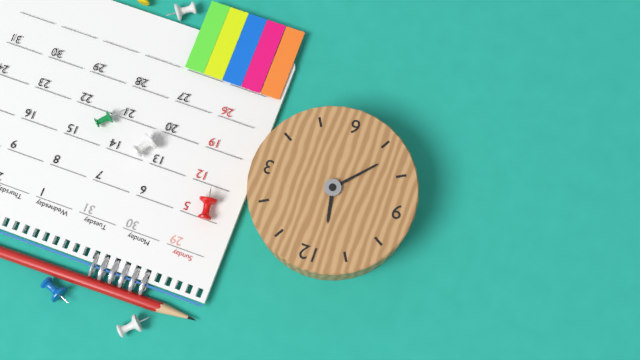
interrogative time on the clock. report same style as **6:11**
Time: **11:37**
